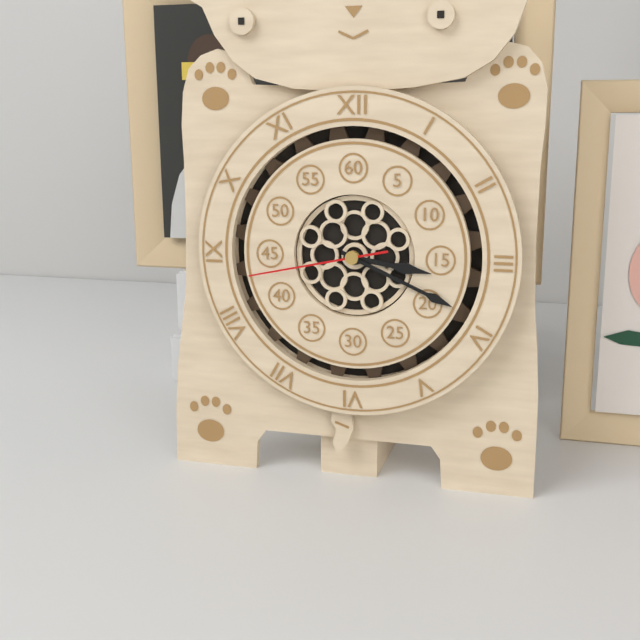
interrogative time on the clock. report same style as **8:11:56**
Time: **3:19:43**
